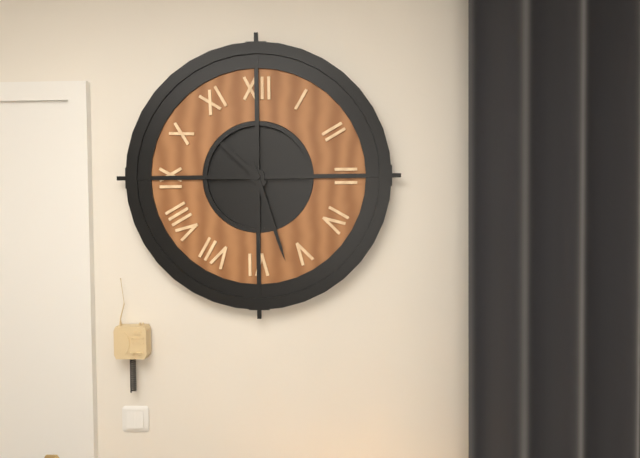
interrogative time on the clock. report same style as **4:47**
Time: **10:27**
